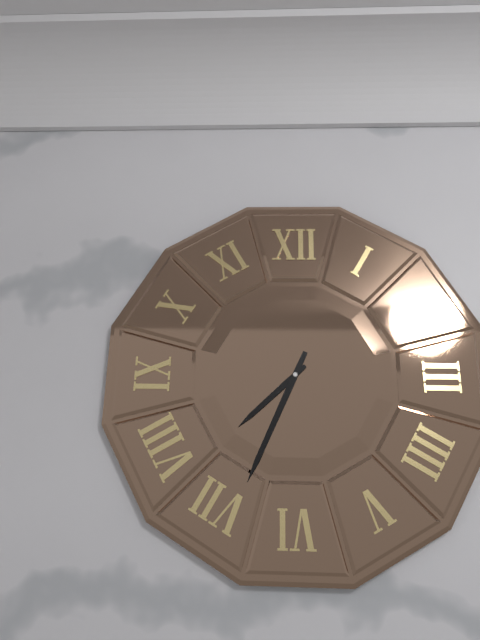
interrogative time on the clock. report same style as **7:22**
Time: **7:34**
